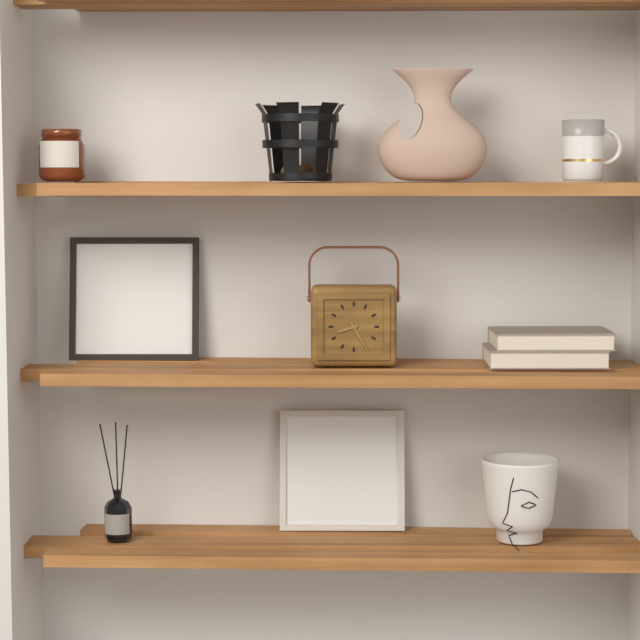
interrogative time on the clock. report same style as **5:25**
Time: **8:25**
